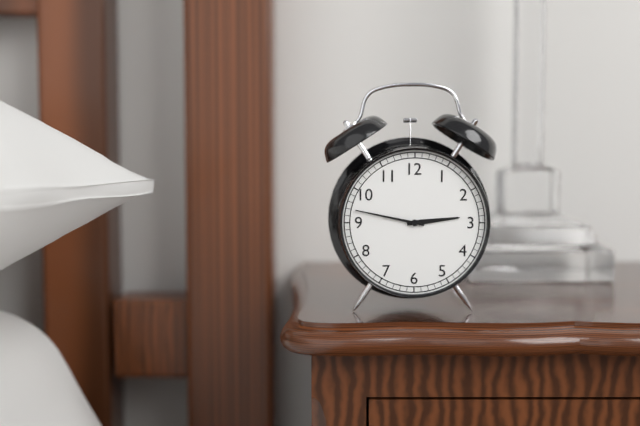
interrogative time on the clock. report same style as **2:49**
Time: **2:47**
